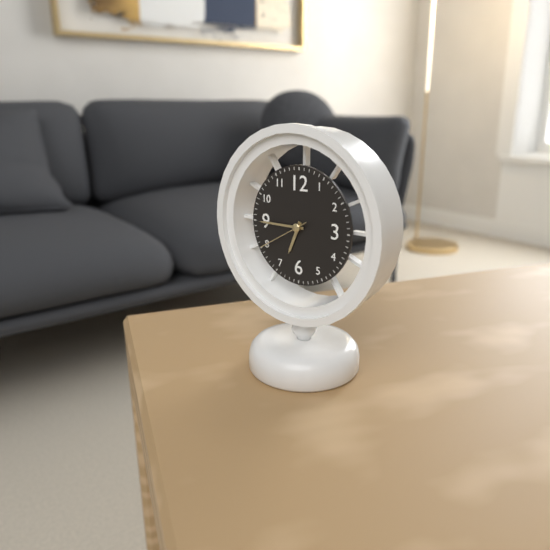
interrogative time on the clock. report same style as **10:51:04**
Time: **6:45:40**
